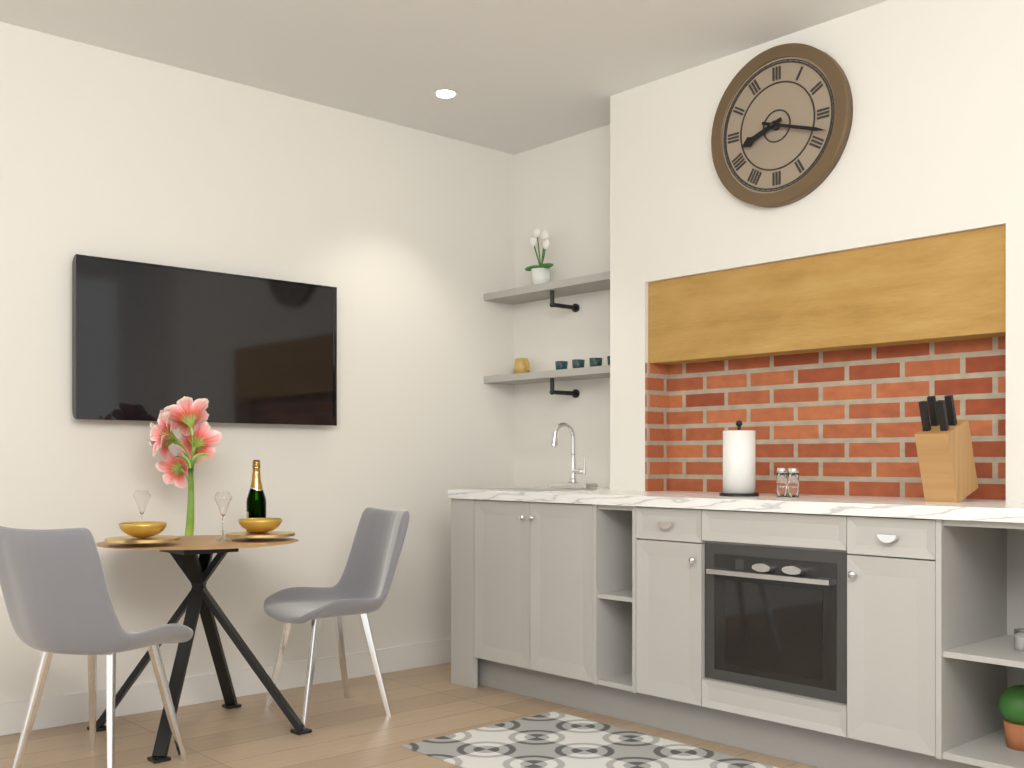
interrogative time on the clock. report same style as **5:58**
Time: **8:18**
